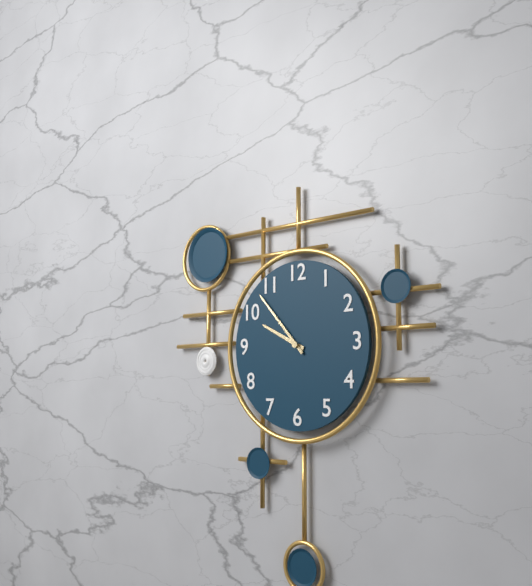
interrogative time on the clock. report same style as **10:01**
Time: **9:53**
